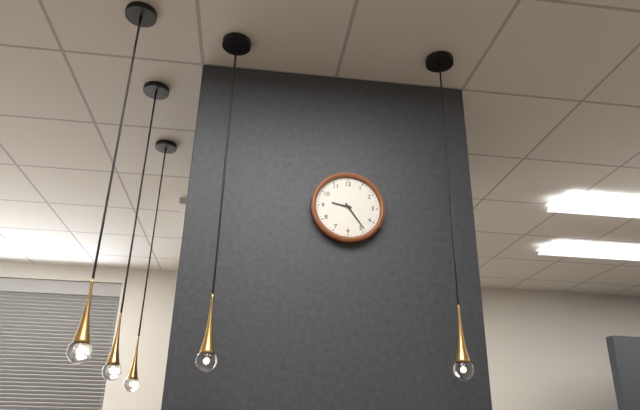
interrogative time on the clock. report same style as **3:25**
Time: **9:24**
